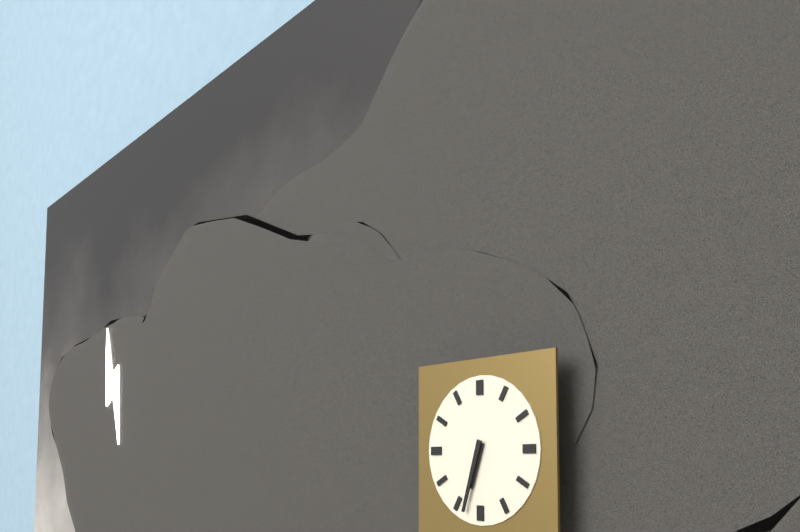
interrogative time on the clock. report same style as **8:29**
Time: **6:33**
